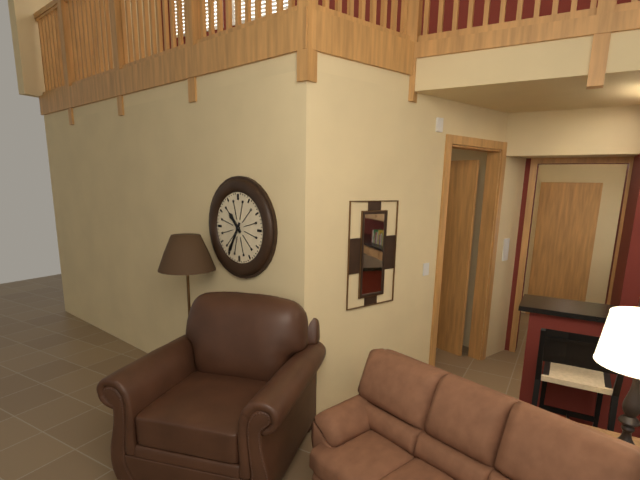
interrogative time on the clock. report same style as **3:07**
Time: **10:35**
